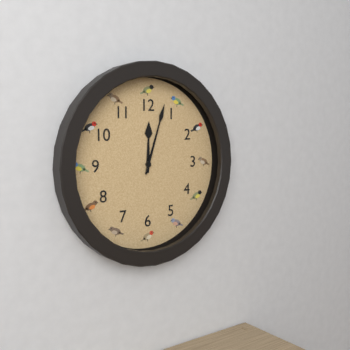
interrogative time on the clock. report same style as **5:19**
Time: **12:03**
